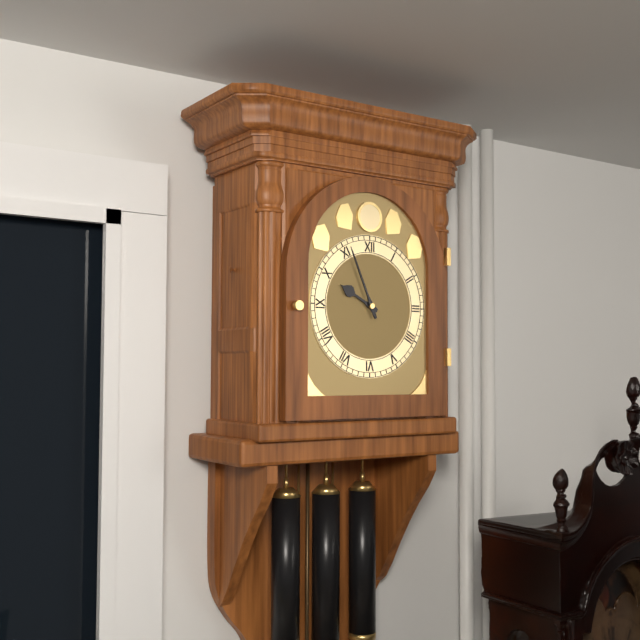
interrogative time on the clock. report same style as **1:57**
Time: **9:56**
